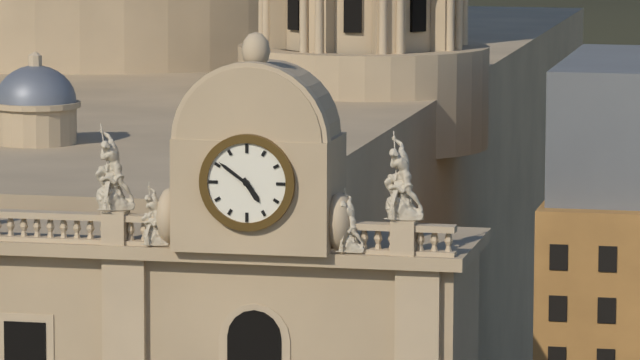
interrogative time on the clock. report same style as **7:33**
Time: **4:51**
